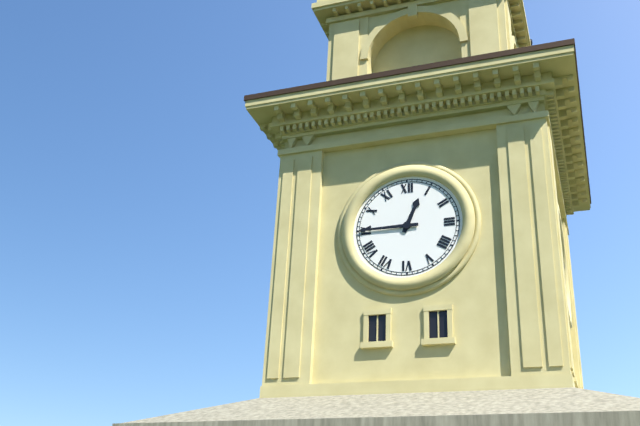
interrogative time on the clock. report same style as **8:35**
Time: **12:45**
